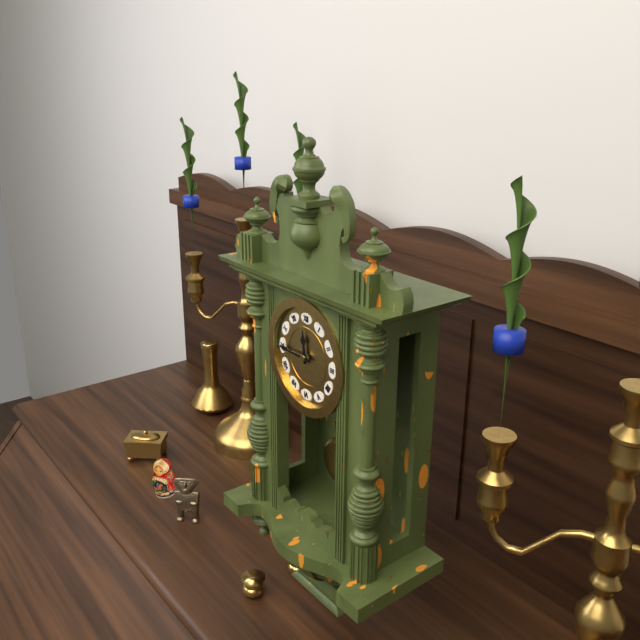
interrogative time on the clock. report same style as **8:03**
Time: **11:45**
